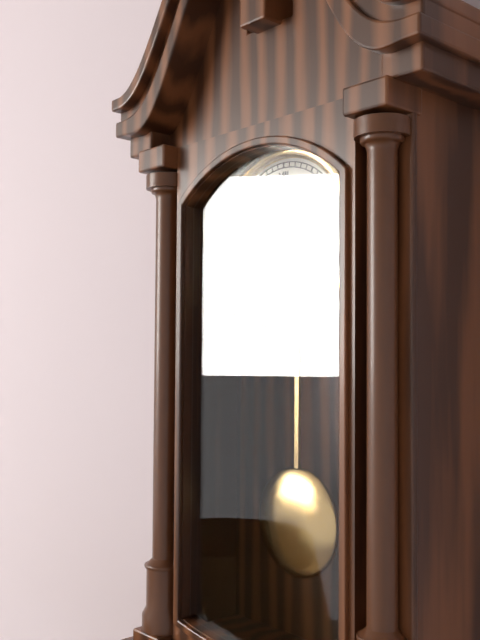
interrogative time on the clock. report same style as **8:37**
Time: **9:22**
